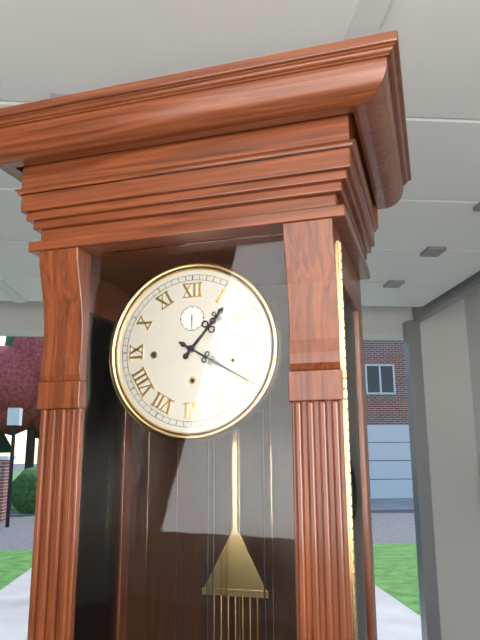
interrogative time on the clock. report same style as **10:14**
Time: **1:20**
